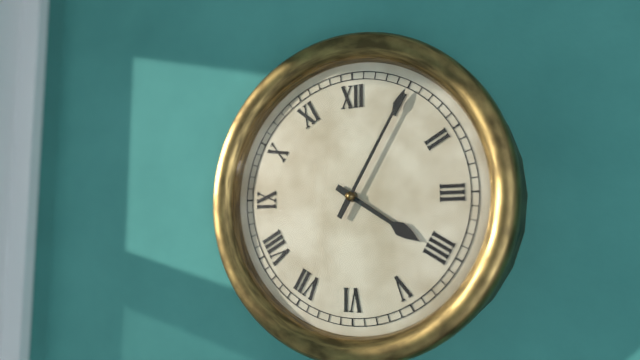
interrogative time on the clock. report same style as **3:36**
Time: **4:05**
